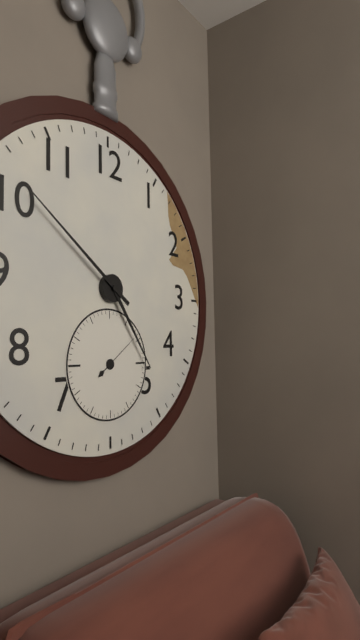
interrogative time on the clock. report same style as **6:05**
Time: **4:51**
